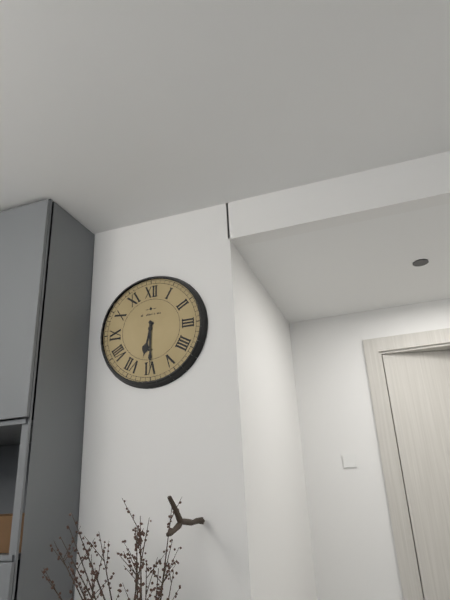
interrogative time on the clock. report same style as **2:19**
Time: **6:30**
